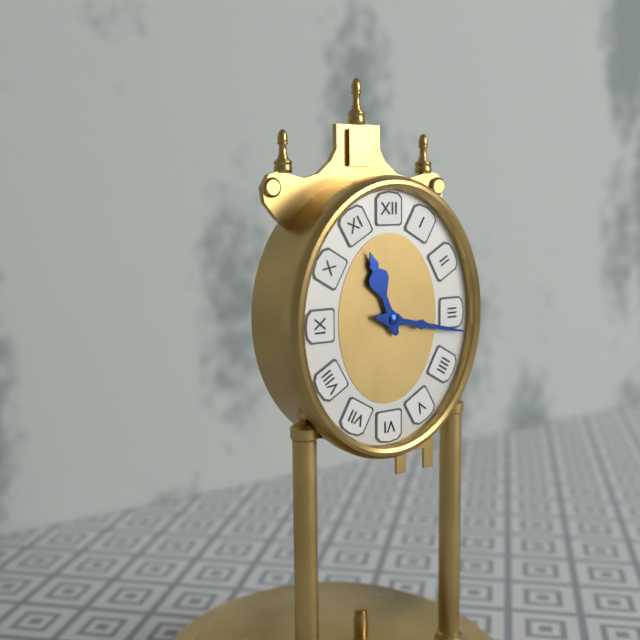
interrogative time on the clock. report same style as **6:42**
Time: **11:17**
